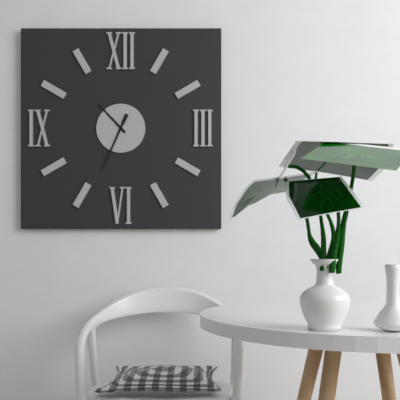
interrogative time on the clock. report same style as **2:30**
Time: **10:34**
